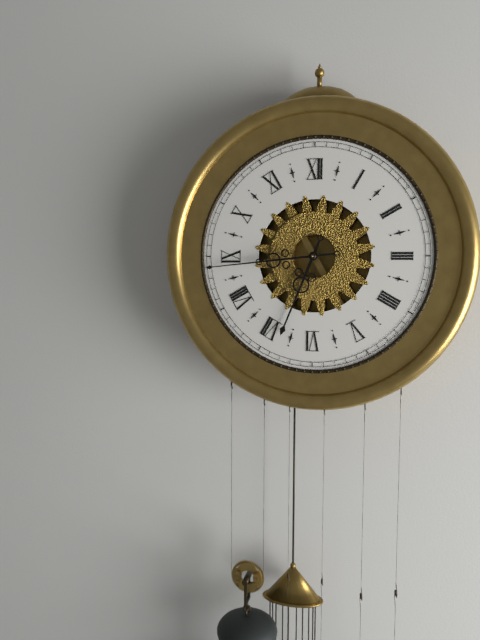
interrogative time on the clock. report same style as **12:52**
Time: **6:44**
